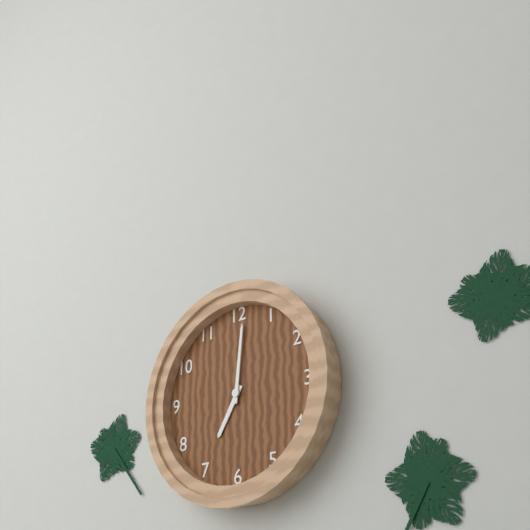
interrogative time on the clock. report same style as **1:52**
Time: **7:01**
